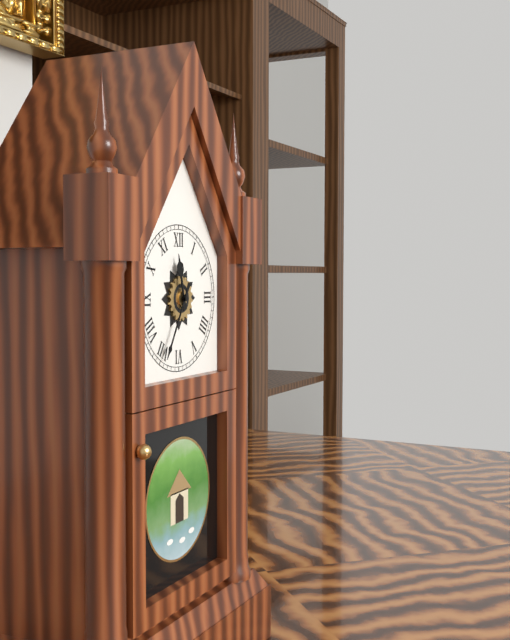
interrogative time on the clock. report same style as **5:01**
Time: **11:35**
